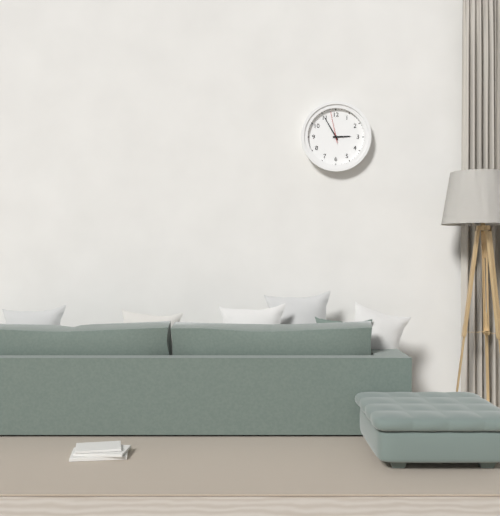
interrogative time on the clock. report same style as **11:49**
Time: **2:55**
